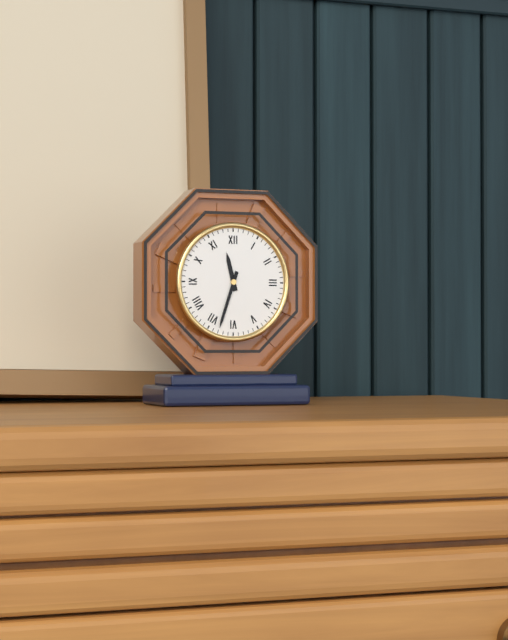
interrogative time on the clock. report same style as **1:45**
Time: **11:33**
